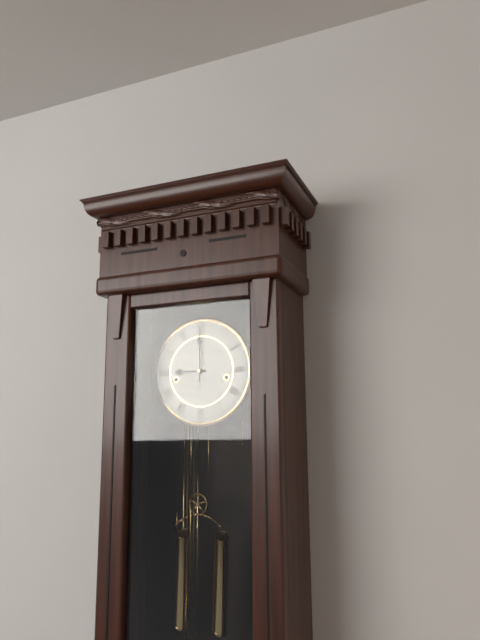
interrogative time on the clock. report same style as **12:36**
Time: **9:00**
